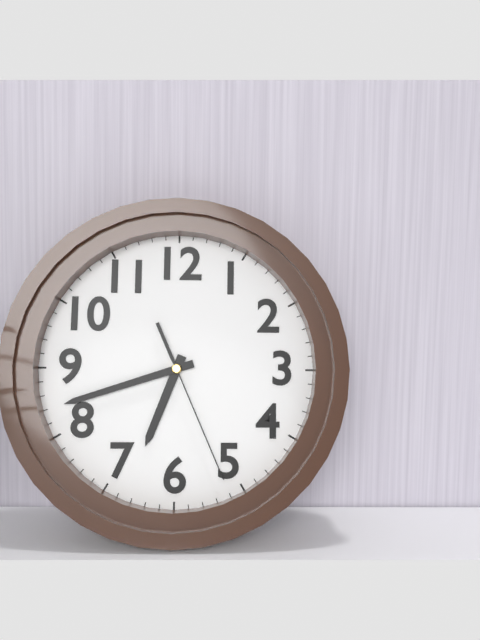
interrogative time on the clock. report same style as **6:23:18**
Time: **6:42:26**
